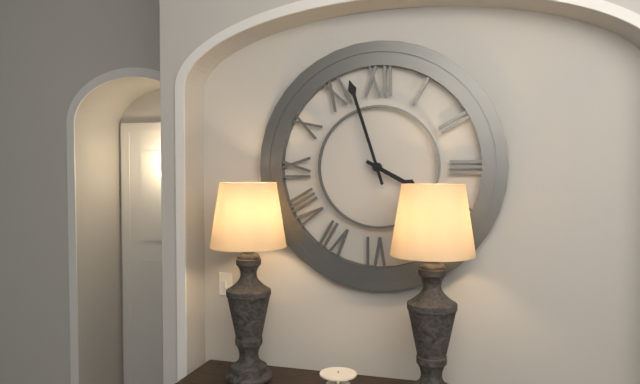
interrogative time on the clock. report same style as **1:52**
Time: **3:57**
